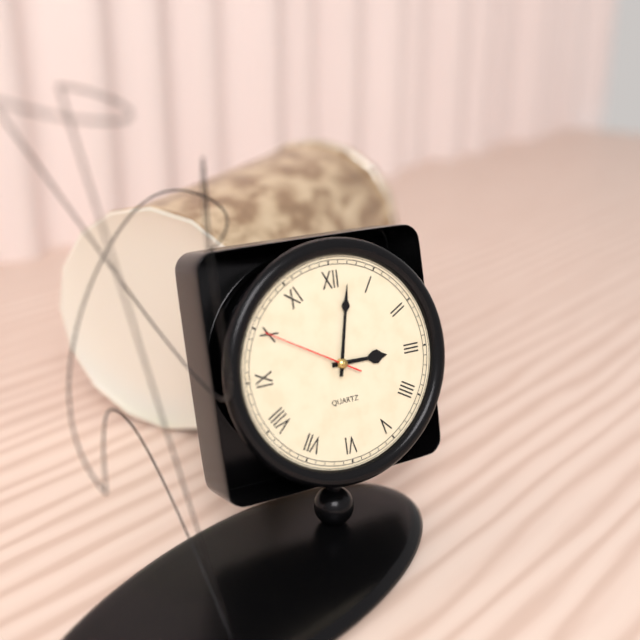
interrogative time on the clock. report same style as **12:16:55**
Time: **3:02:50**
